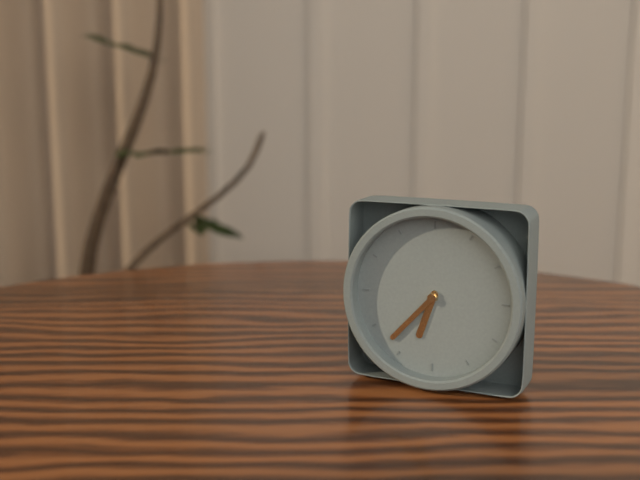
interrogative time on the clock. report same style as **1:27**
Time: **6:37**
